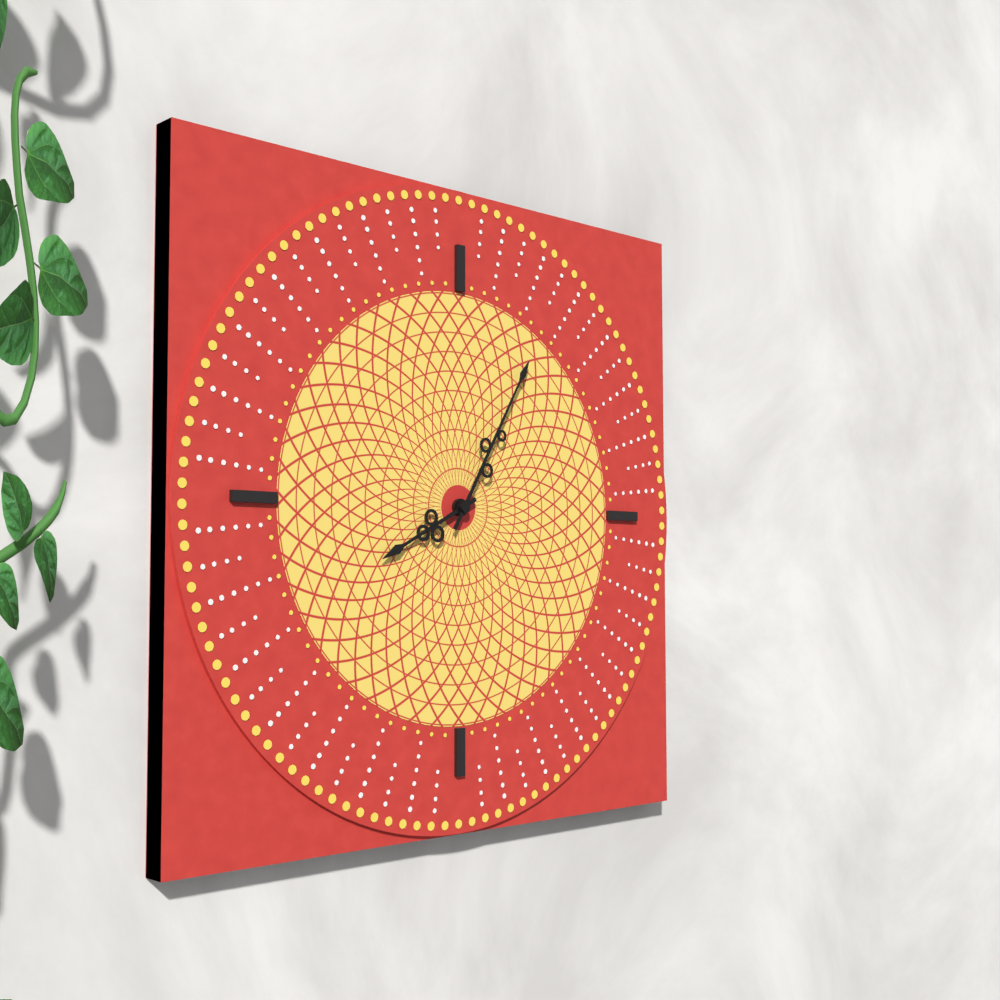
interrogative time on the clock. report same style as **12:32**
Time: **8:05**
